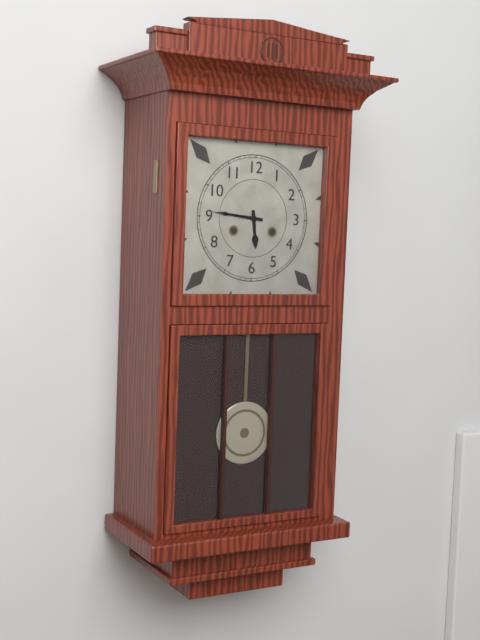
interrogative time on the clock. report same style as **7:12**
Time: **5:46**
